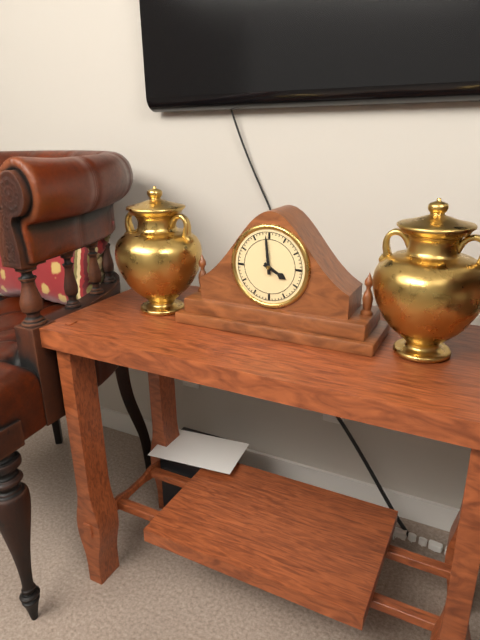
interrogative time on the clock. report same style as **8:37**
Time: **3:59**
